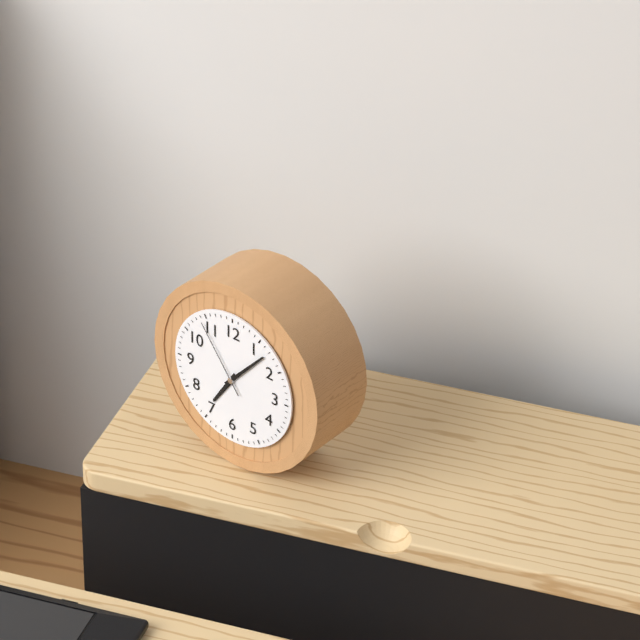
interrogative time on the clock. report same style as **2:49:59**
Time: **7:07:54**
